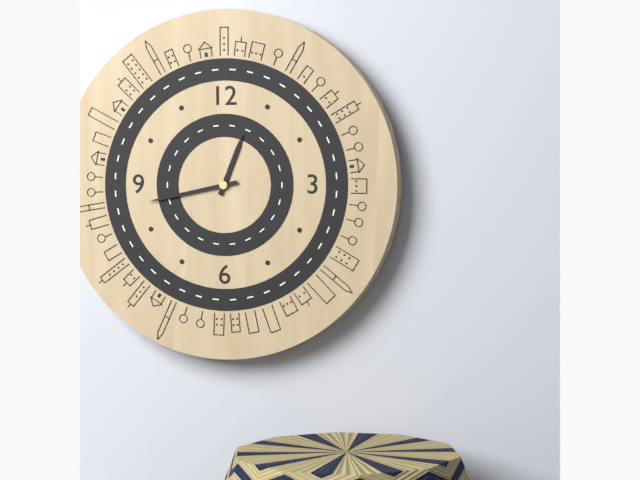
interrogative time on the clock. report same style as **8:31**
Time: **12:43**
